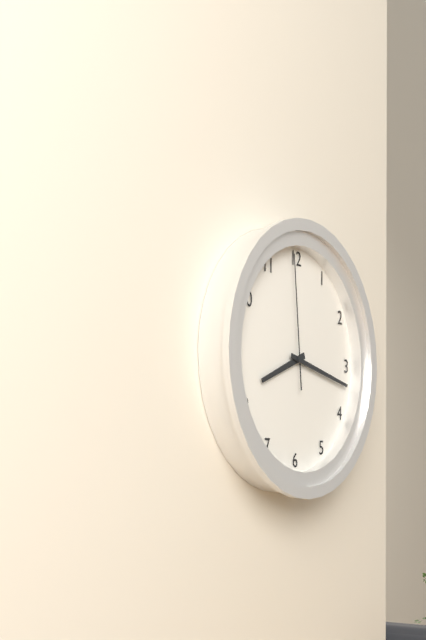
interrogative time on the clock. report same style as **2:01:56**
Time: **8:17:59**
